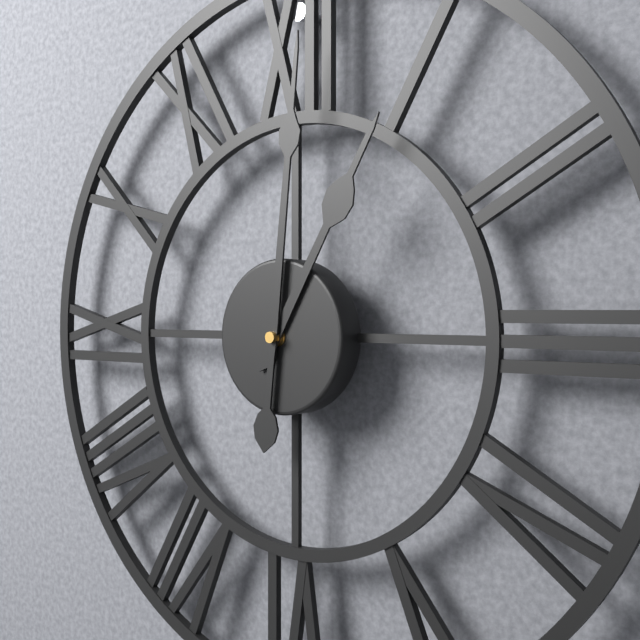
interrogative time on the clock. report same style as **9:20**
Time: **1:01**
